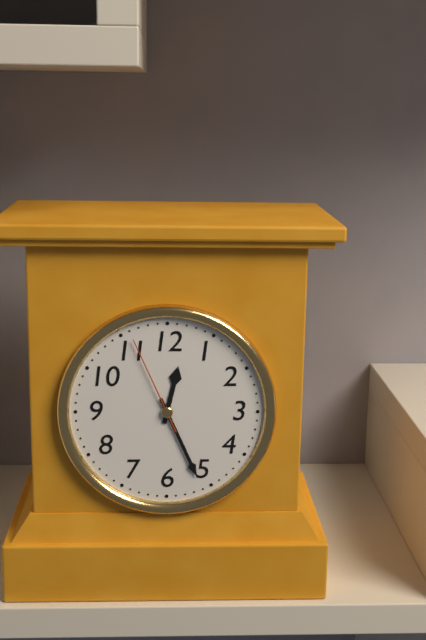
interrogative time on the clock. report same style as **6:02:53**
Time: **12:26:56**
